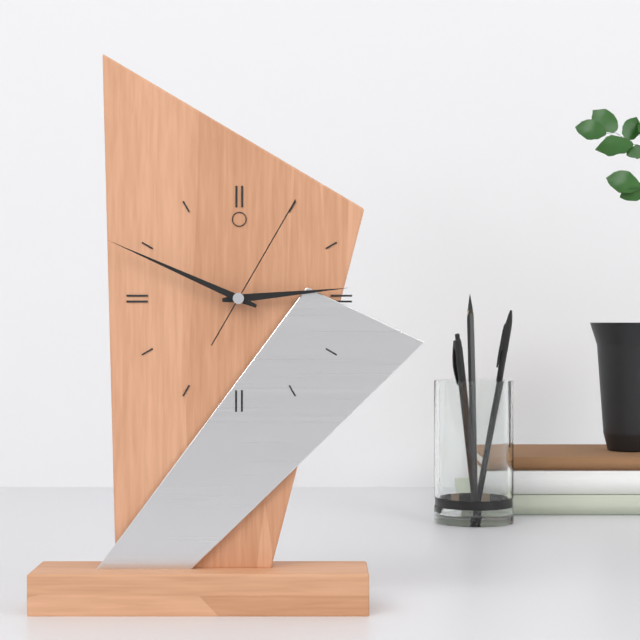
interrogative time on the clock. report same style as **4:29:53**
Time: **2:49:05**
